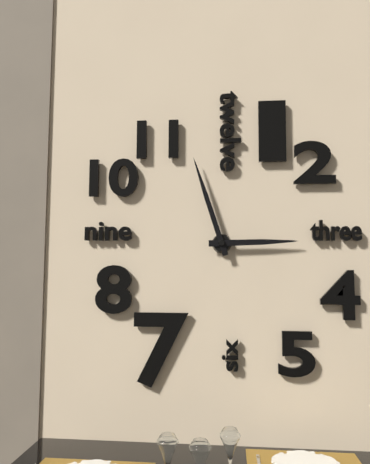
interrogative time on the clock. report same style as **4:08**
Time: **2:57**
